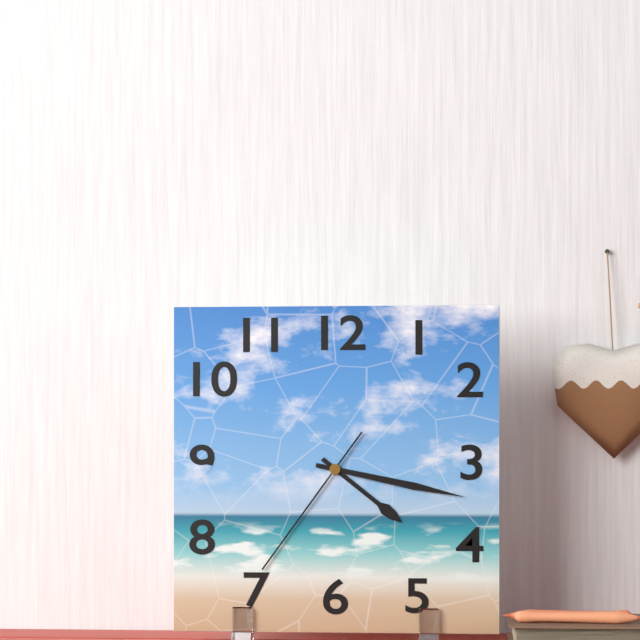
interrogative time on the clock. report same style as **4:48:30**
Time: **4:17:36**
